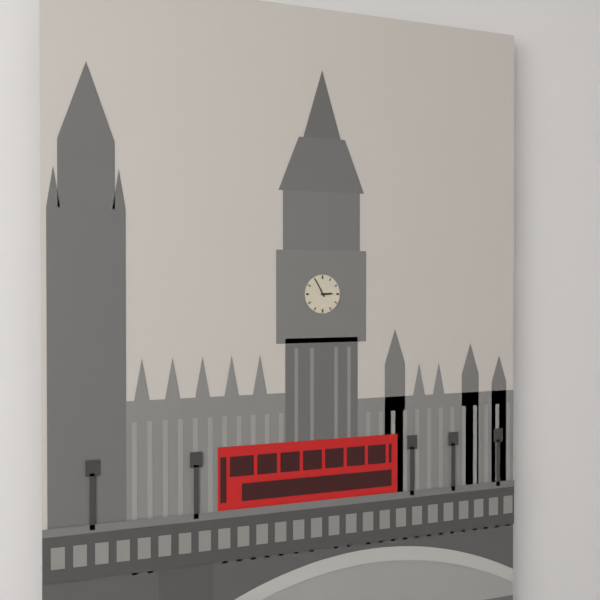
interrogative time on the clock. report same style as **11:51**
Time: **2:55**
